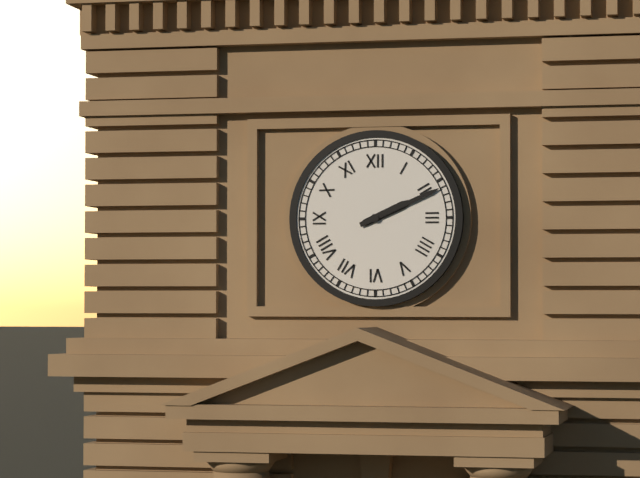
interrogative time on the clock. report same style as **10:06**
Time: **2:11**
